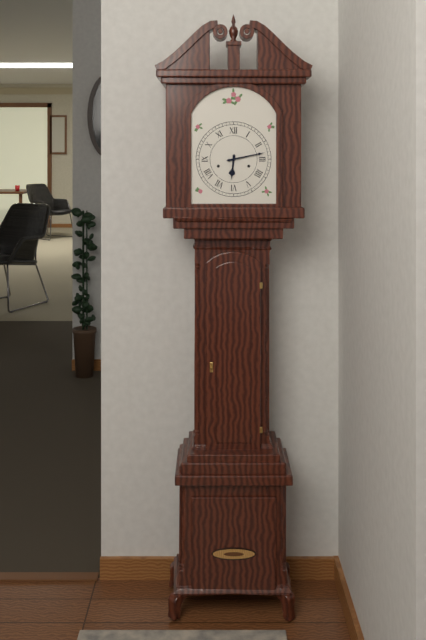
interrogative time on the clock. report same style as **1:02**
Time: **6:13**
